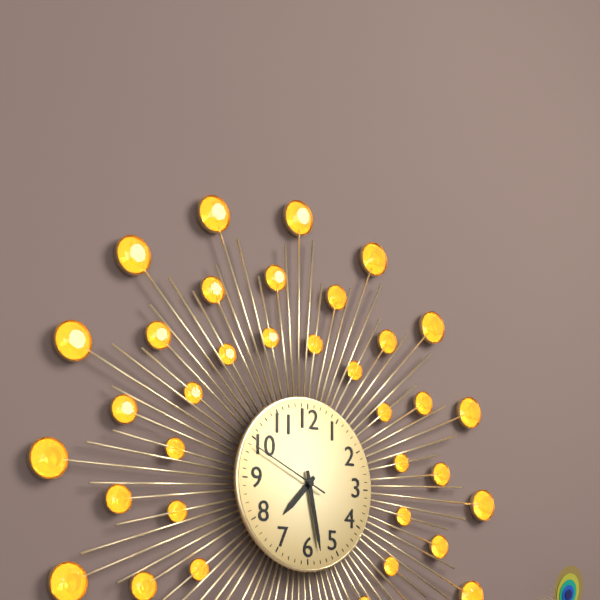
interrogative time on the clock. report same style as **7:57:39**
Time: **7:28:49**
